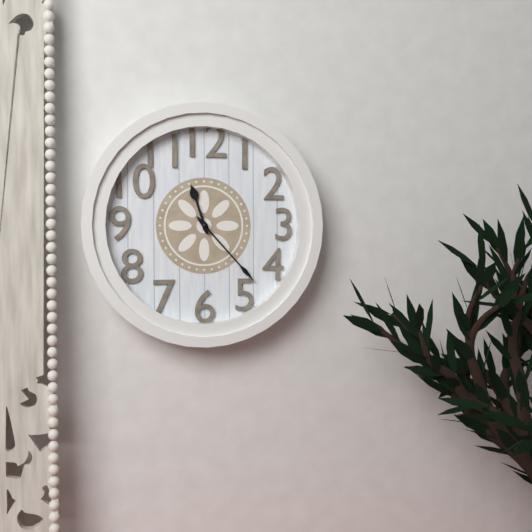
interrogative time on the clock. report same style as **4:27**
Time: **11:23**
